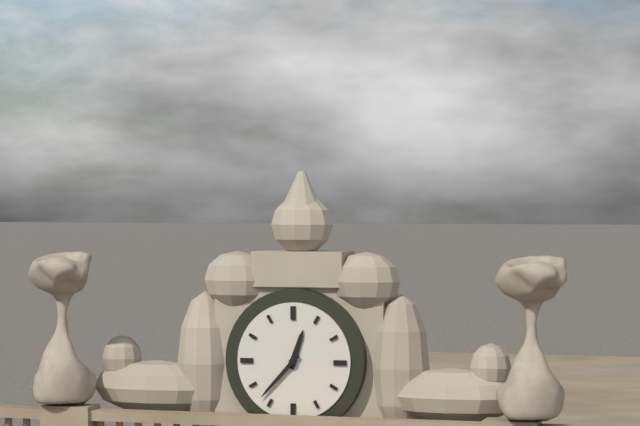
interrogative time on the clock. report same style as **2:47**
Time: **12:37**
